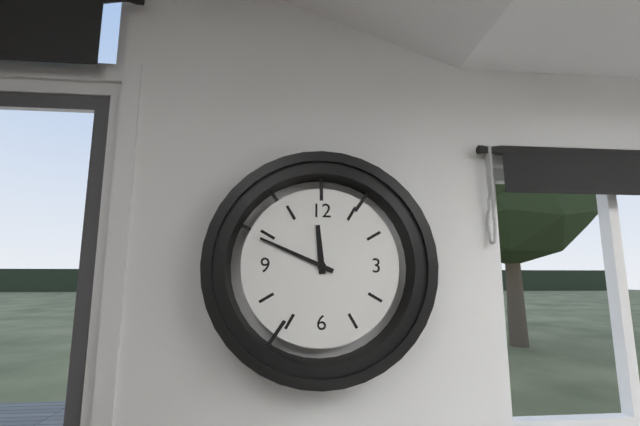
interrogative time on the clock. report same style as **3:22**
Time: **11:49**
